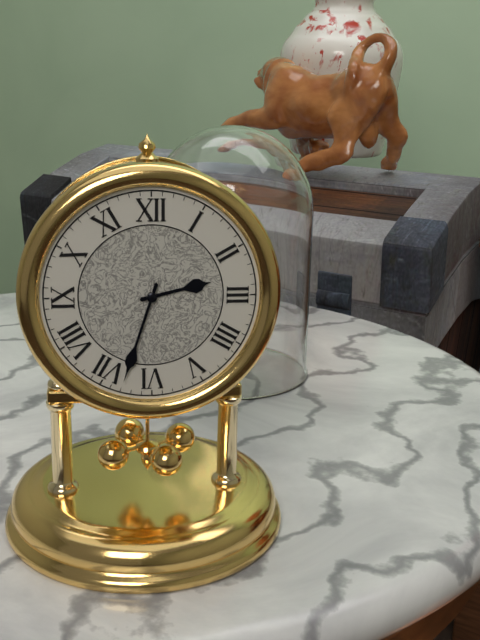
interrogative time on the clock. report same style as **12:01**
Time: **2:33**
